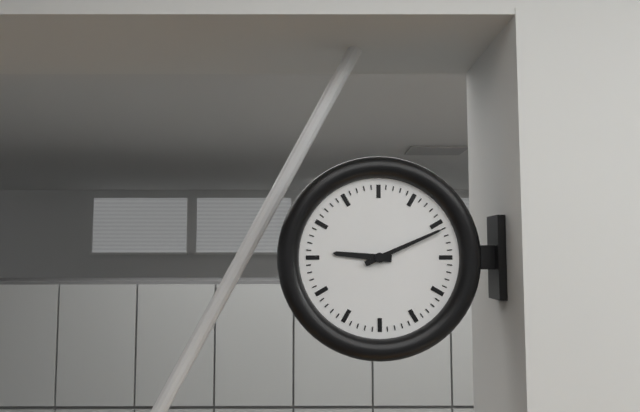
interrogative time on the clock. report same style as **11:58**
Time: **9:11**
